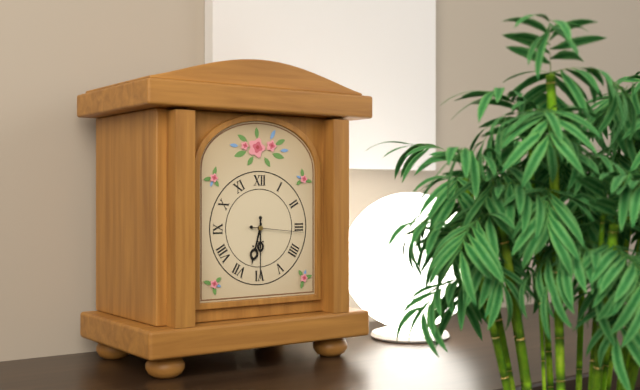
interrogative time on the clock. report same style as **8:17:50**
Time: **6:30:16**
